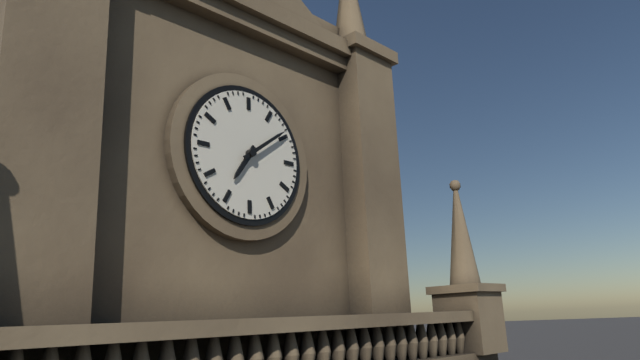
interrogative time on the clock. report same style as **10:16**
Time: **7:09**
